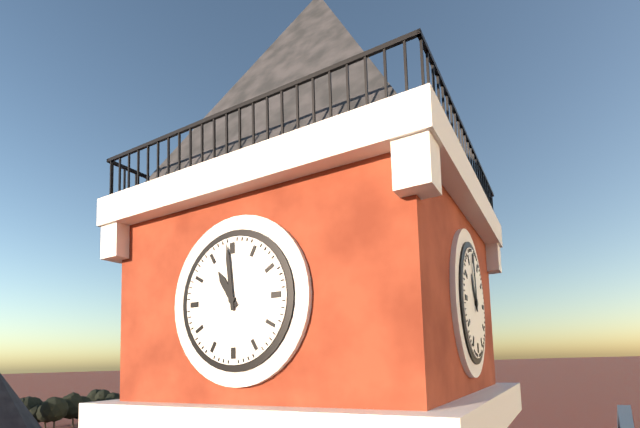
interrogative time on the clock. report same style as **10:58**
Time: **10:59**
